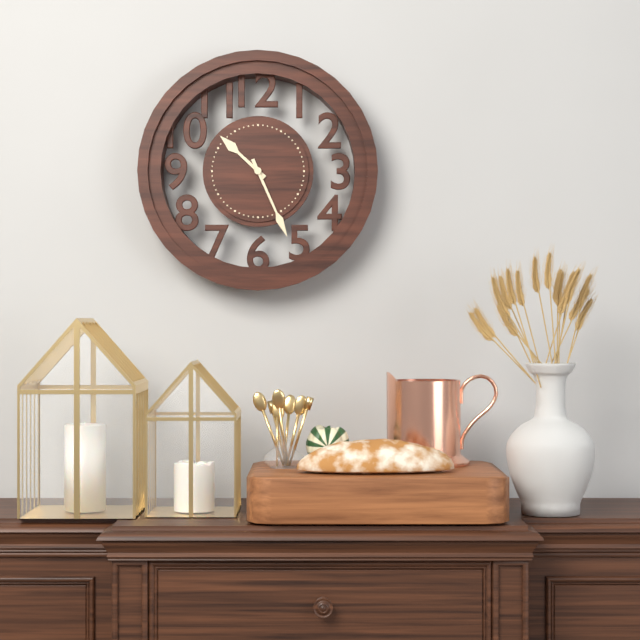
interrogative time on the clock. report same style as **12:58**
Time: **10:26**
